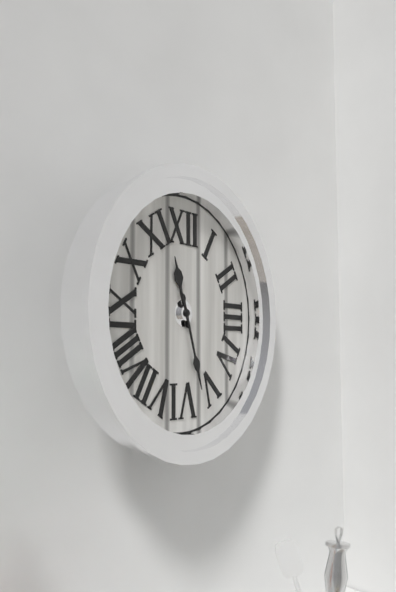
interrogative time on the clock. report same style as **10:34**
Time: **11:27**
